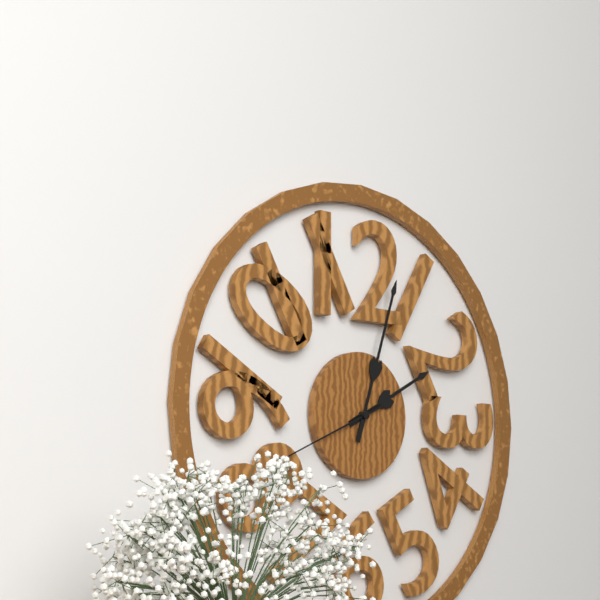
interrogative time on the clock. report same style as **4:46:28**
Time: **2:03:41**
